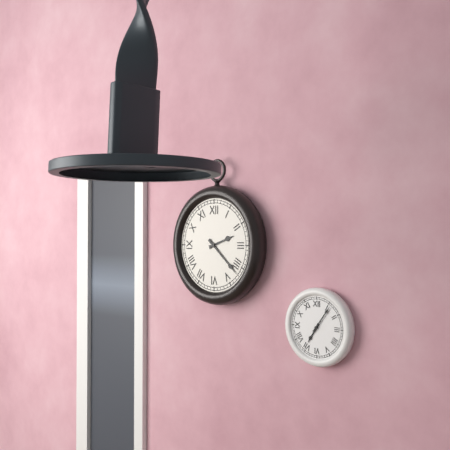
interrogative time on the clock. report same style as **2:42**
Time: **2:22**
